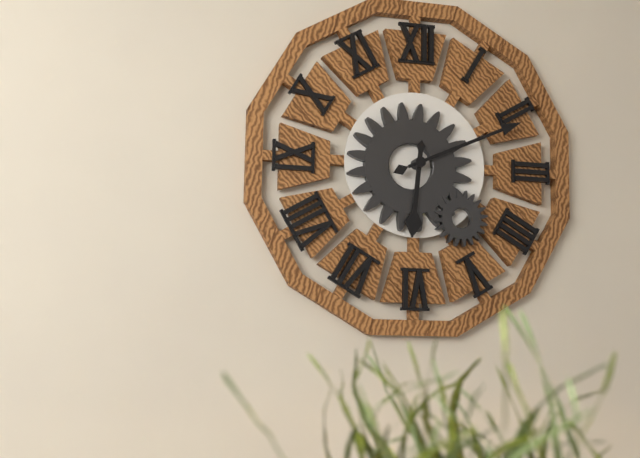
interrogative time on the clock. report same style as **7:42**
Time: **6:11**
